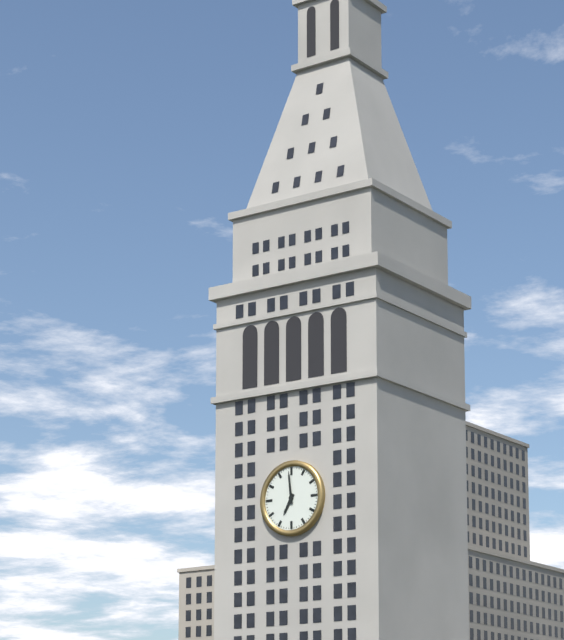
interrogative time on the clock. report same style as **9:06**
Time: **6:59**
